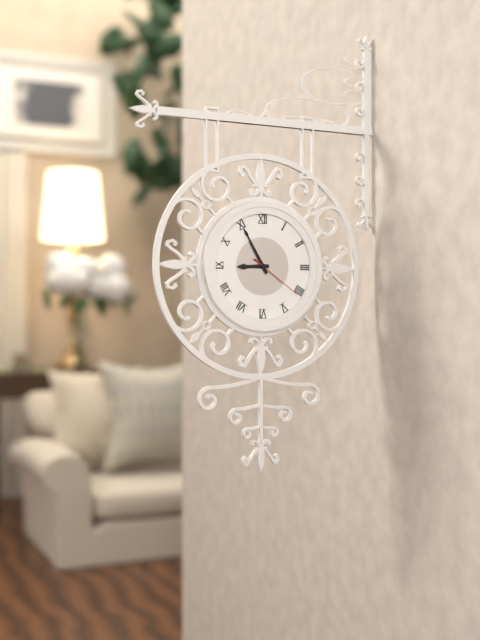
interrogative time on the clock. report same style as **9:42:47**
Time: **8:55:21**
